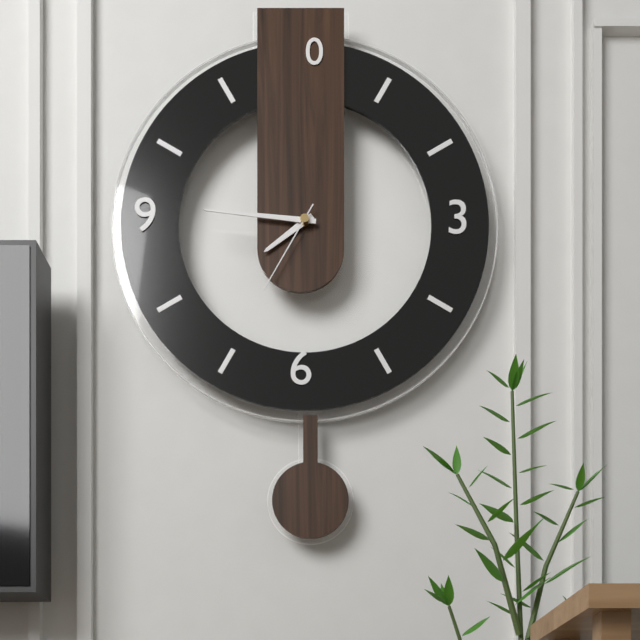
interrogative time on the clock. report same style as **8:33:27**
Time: **7:46:35**
